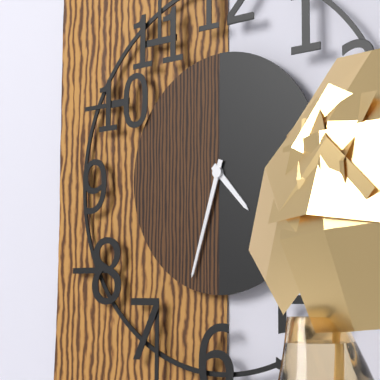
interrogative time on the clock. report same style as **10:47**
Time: **4:33**
